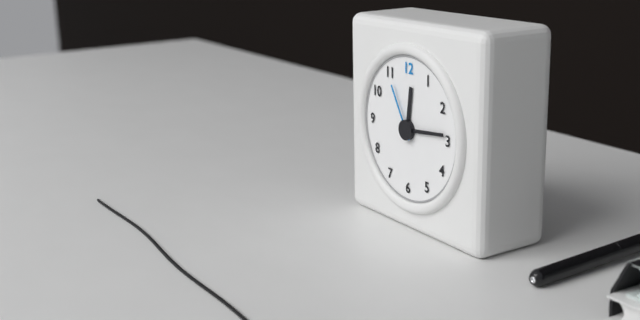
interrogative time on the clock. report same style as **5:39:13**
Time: **12:14:55**
